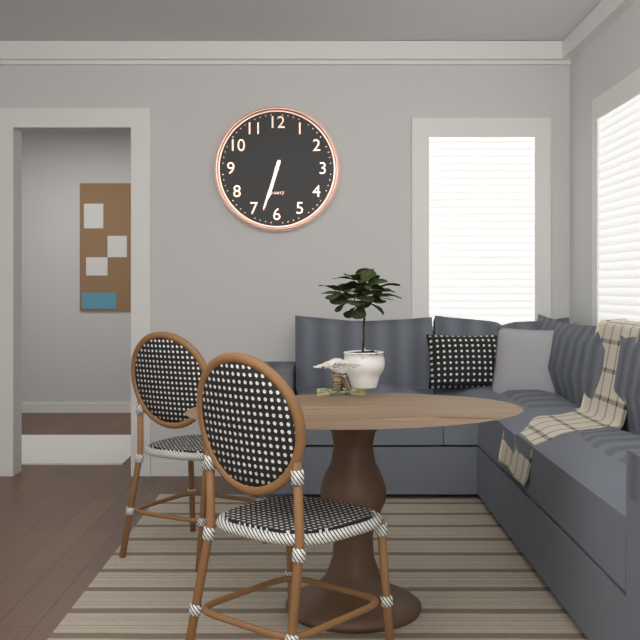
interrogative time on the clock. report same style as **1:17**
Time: **6:33**
